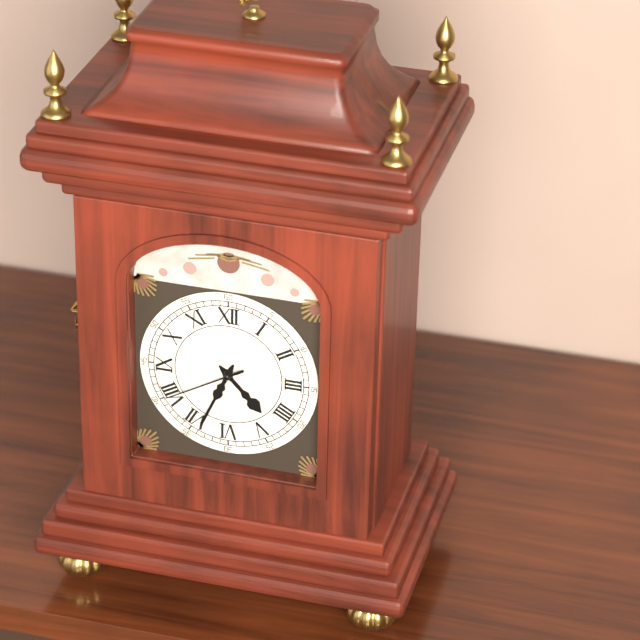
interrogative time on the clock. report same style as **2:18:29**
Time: **4:34:40**
